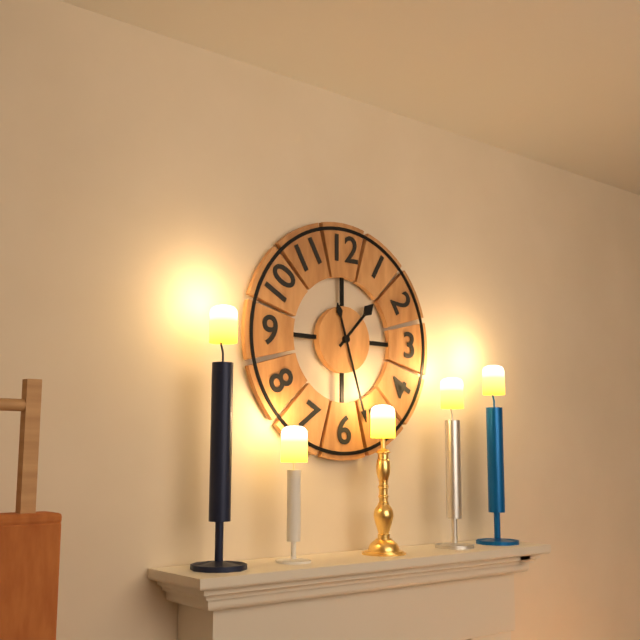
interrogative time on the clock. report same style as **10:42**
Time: **1:27**
